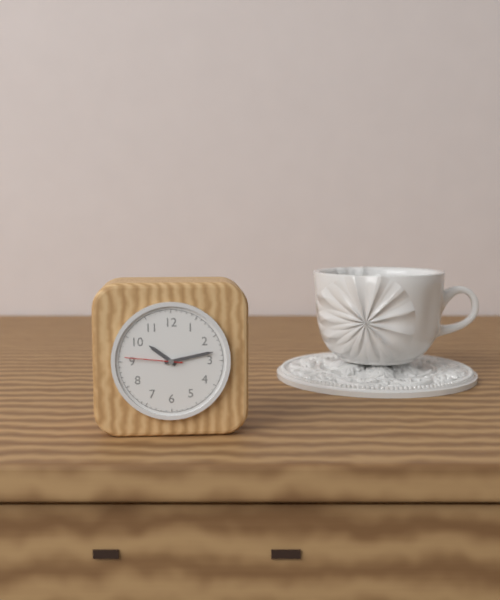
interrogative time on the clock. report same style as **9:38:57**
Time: **10:13:46**
